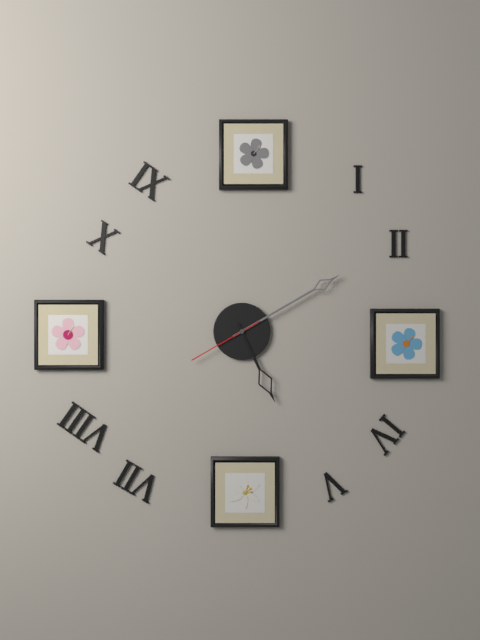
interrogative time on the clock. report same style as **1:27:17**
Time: **5:10:40**
